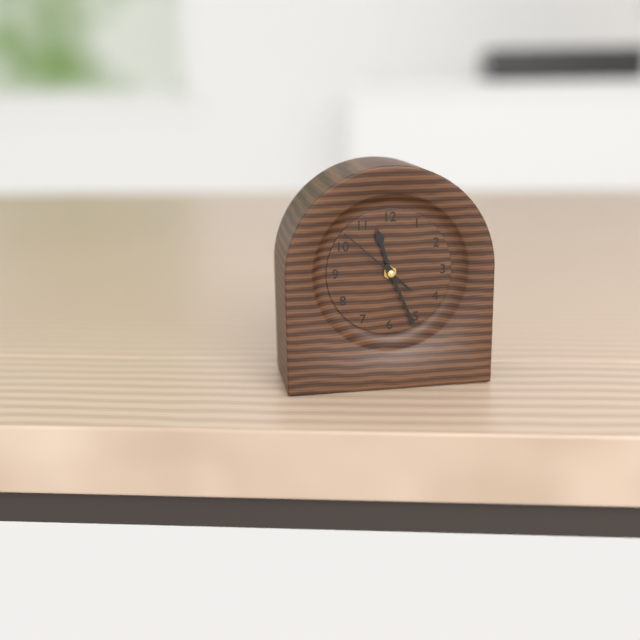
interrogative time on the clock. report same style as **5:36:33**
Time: **11:26:52**
